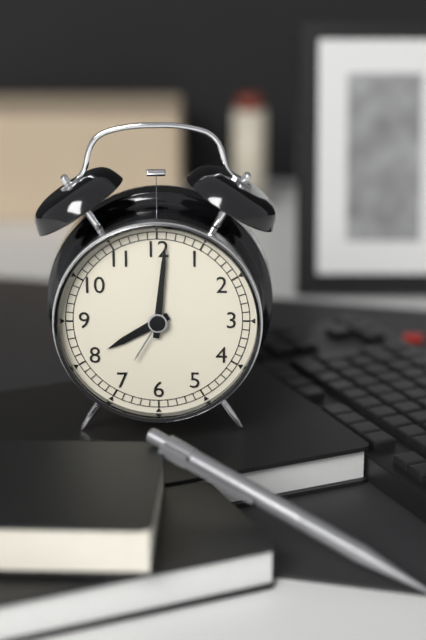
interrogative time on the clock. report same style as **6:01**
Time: **8:01**
